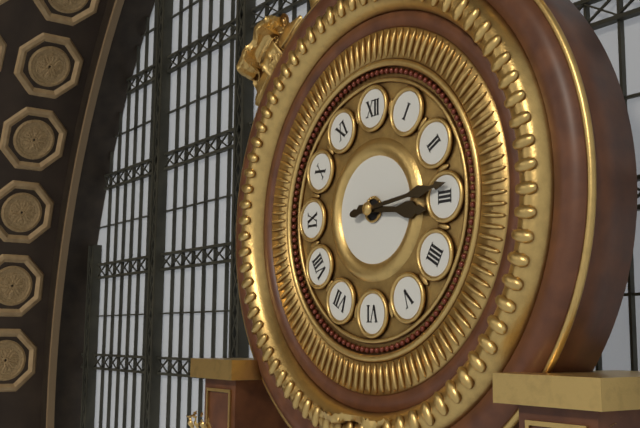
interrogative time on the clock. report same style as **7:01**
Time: **3:14**
